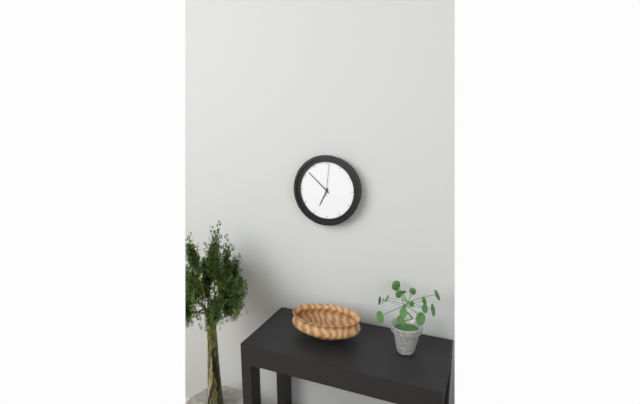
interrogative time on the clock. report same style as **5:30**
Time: **6:52**
